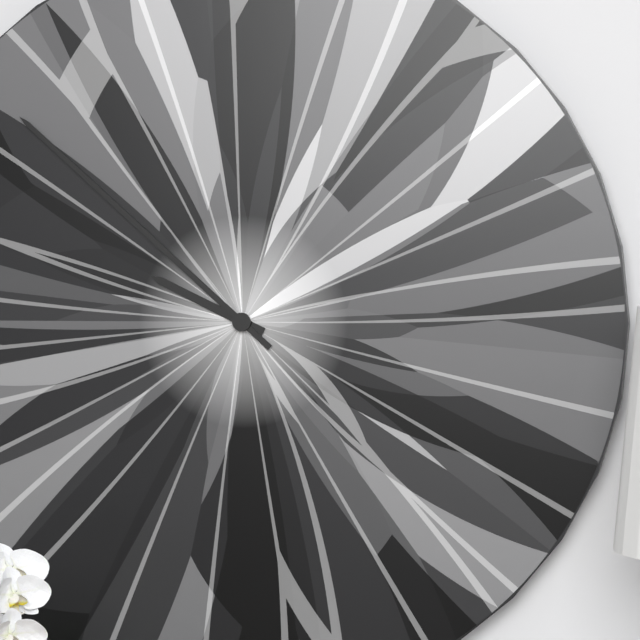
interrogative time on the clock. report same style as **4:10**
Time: **9:52**
